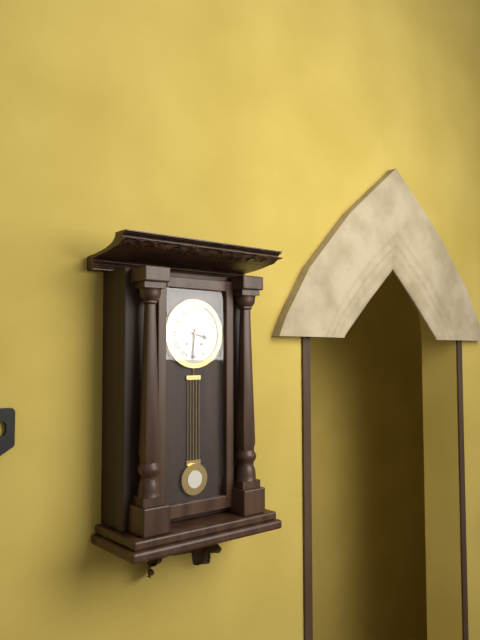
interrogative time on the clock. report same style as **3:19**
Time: **3:31**
